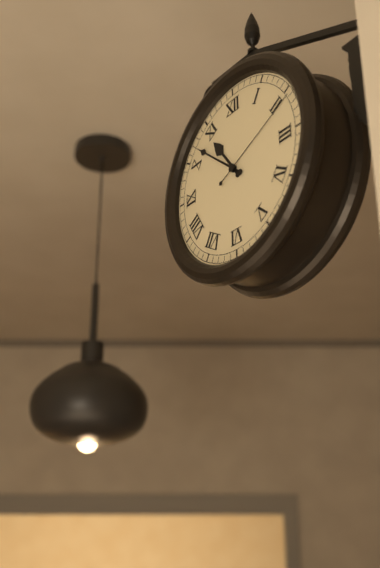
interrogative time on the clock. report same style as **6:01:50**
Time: **10:52:11**
